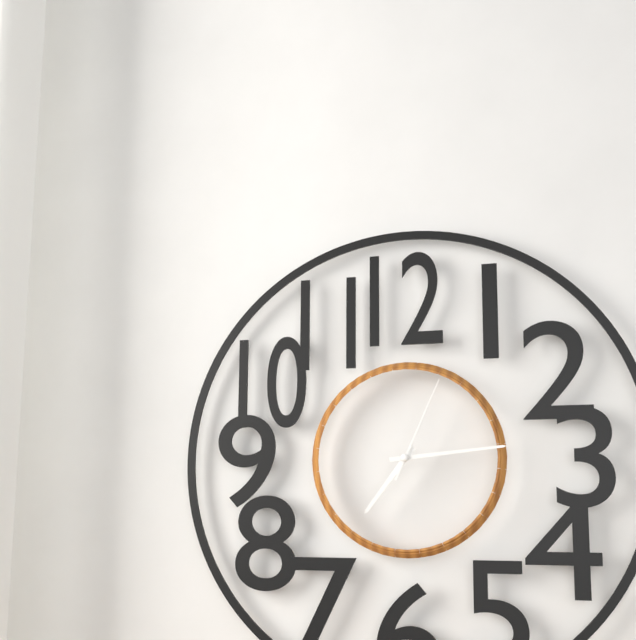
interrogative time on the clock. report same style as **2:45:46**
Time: **7:14:04**
